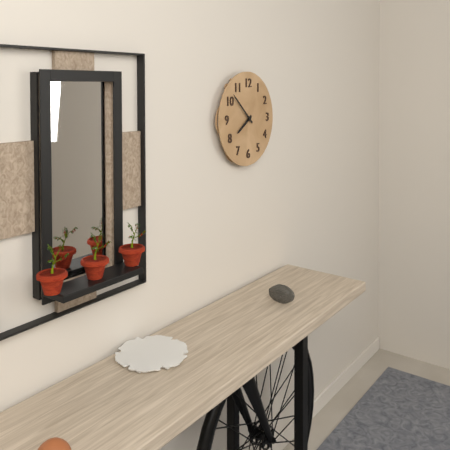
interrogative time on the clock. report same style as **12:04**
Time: **7:52**
